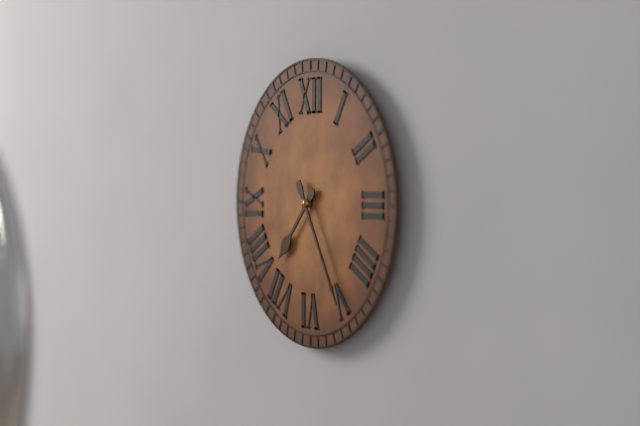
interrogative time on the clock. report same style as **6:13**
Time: **7:25**
